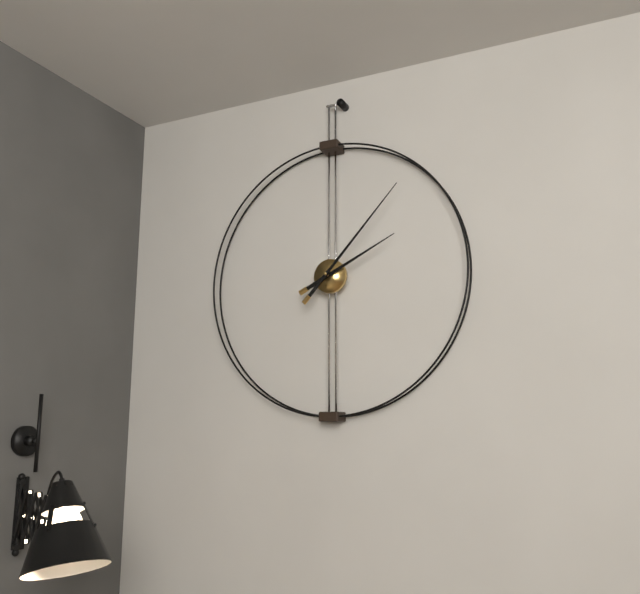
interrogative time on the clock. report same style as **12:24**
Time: **2:07**
